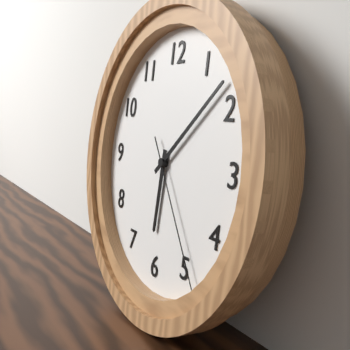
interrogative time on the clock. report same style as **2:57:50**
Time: **6:08:24**
